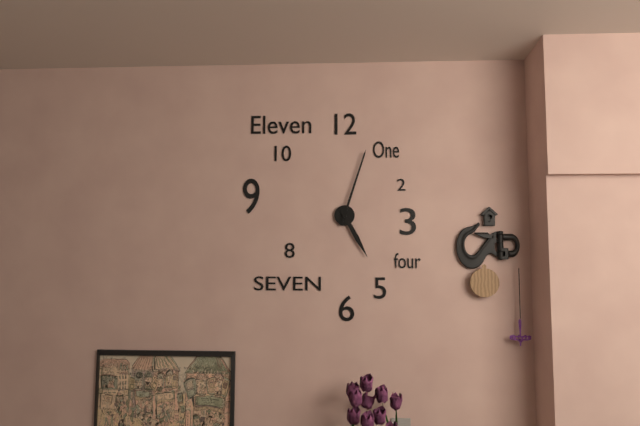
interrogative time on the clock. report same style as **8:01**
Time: **5:03**
